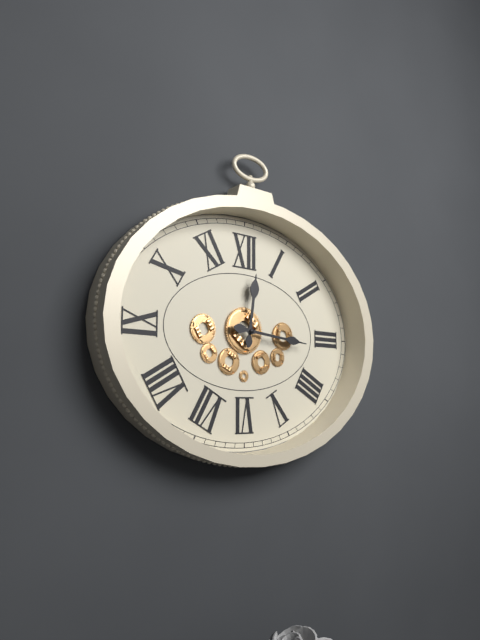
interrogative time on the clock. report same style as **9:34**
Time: **12:16**
